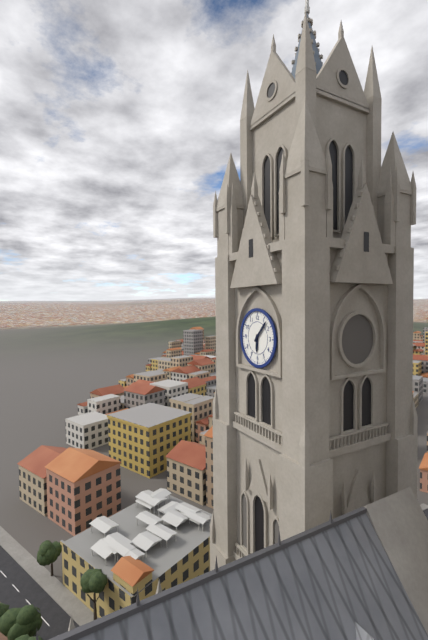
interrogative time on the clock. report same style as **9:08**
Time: **6:07**
